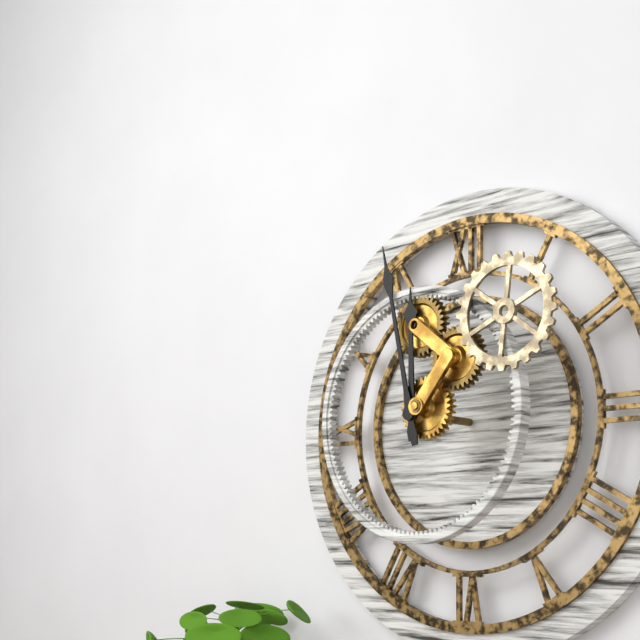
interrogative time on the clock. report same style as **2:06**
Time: **11:58**
